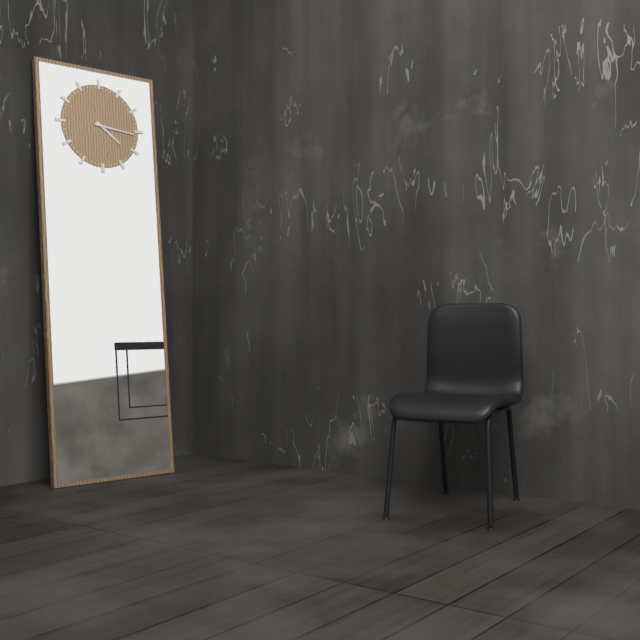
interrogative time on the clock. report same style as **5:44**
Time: **4:16**
